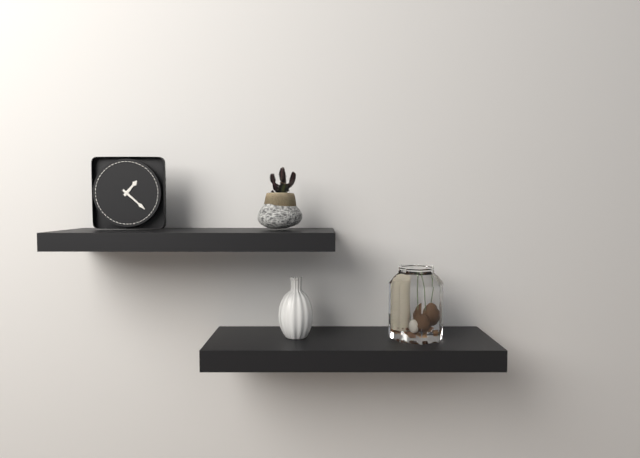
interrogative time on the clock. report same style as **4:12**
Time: **1:22**
